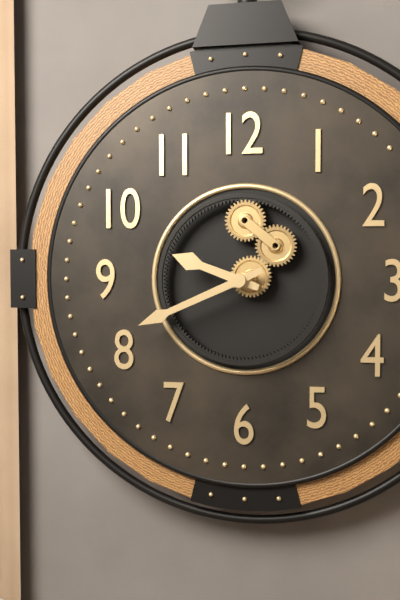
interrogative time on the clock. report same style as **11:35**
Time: **9:41**
